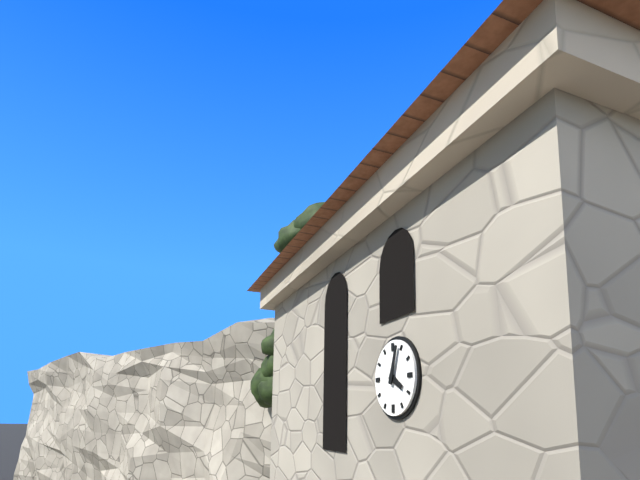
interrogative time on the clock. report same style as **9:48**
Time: **4:03**
